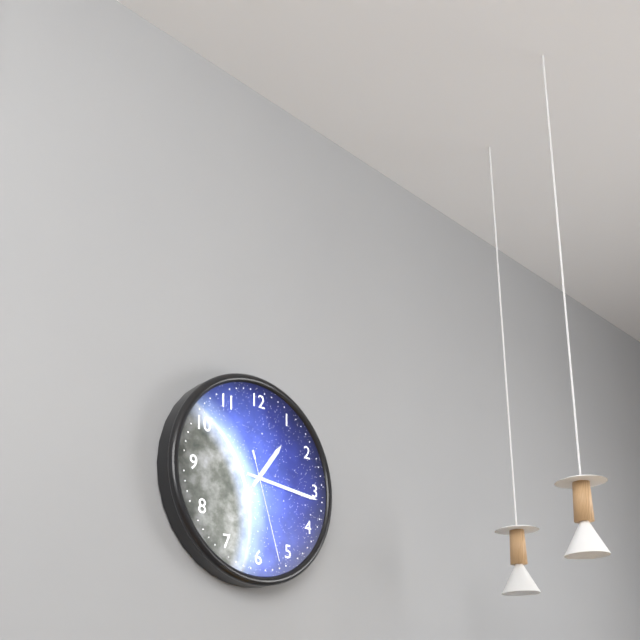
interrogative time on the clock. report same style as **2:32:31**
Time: **1:16:27**
